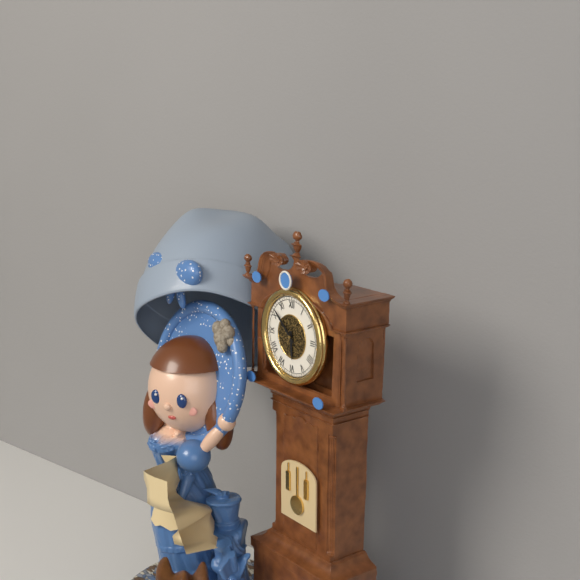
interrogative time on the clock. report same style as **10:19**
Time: **5:52**
